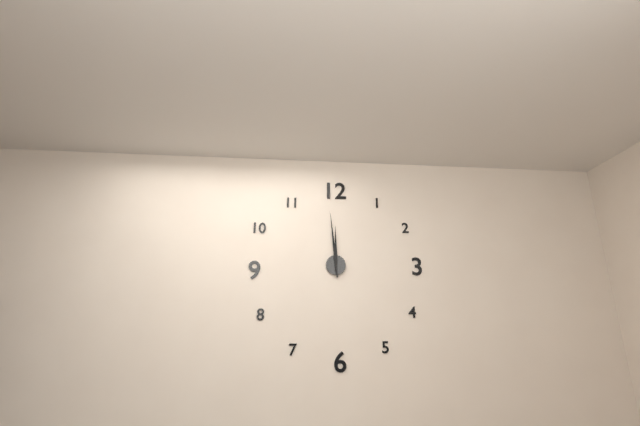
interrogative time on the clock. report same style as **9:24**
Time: **11:59**
